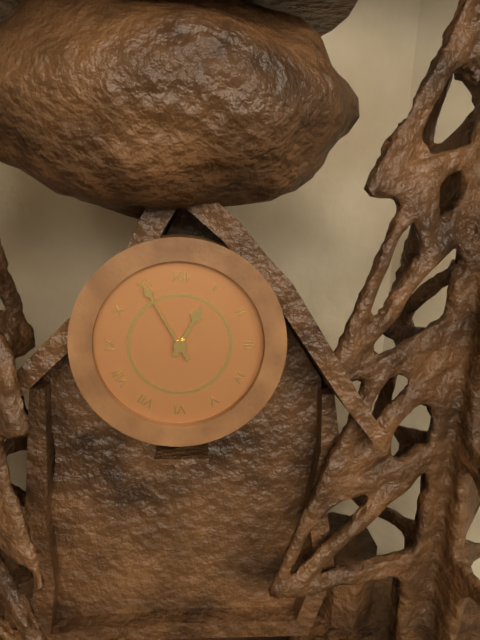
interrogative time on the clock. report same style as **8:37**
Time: **12:55**
